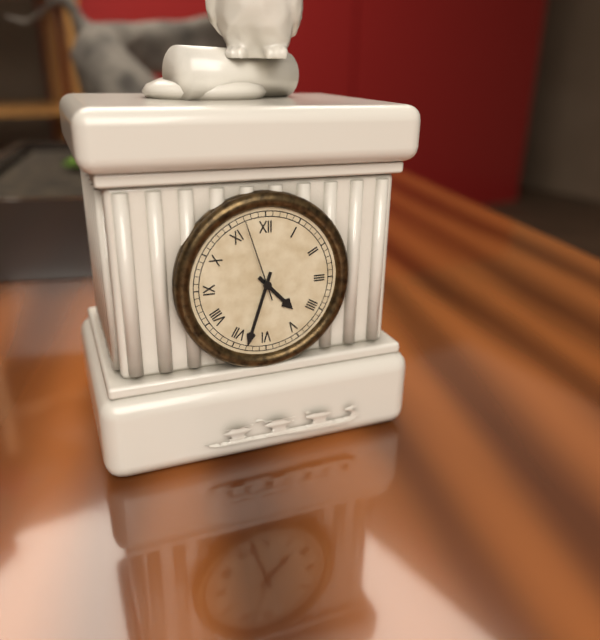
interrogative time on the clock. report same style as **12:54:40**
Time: **4:33:57**
